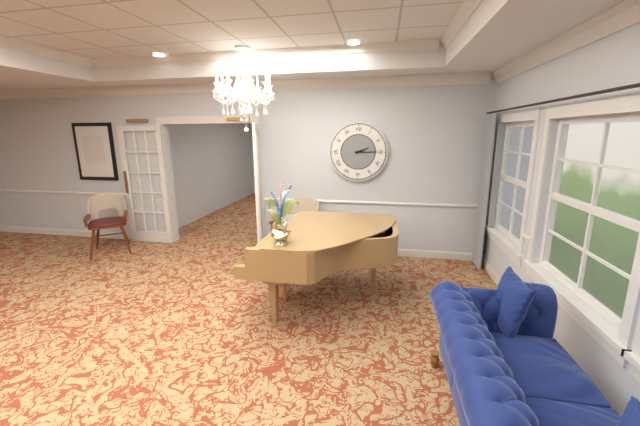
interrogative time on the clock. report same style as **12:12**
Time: **2:15**
